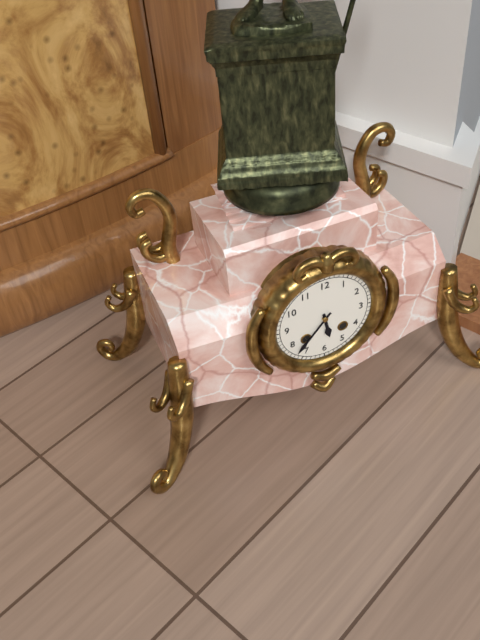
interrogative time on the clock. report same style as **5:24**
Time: **5:37**
